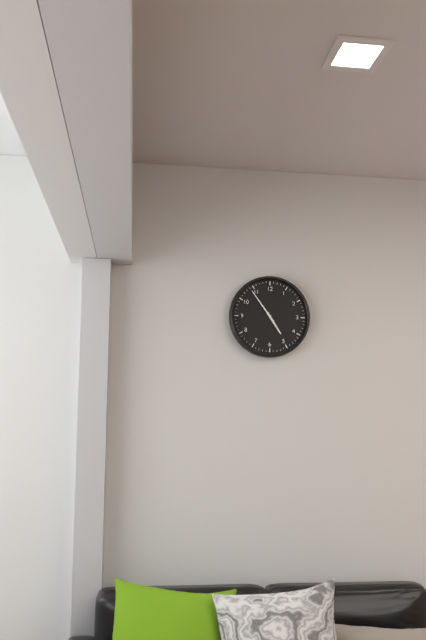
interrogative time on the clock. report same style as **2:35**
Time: **4:54**
